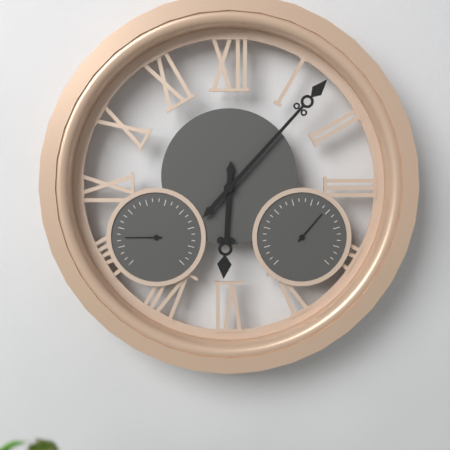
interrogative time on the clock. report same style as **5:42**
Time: **6:07**
